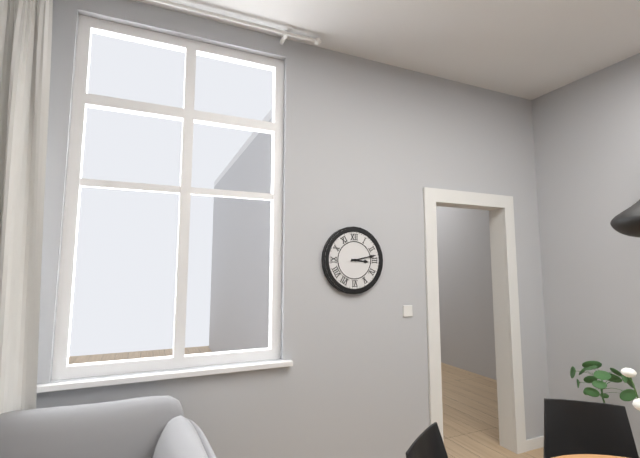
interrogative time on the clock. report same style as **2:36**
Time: **3:13**
